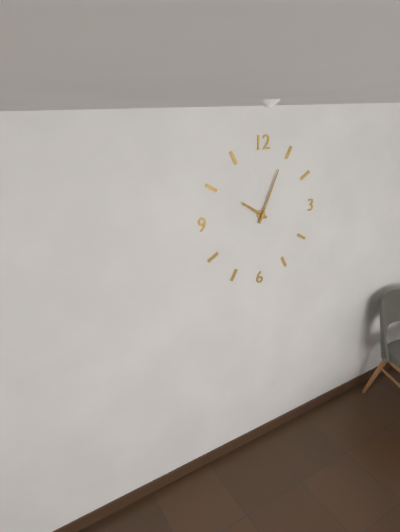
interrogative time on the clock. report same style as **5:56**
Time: **10:04**
